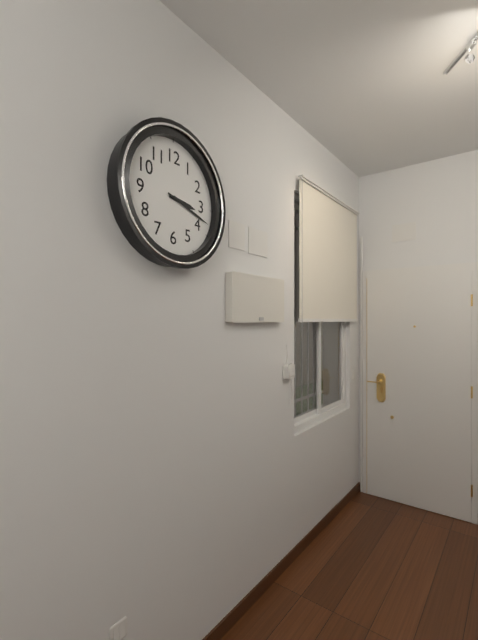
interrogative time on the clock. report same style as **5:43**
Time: **3:18**
